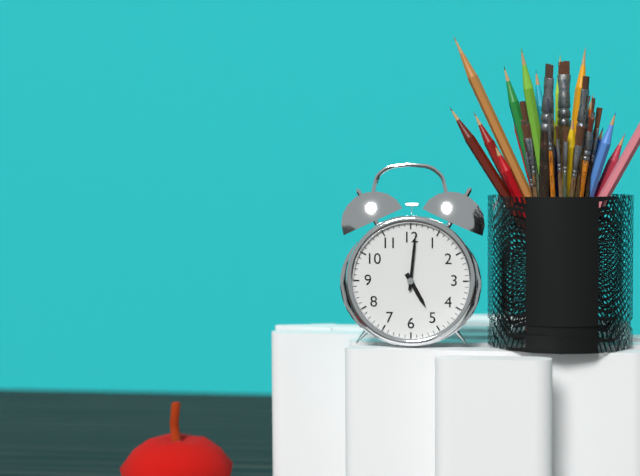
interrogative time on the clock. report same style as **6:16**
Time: **5:01**
